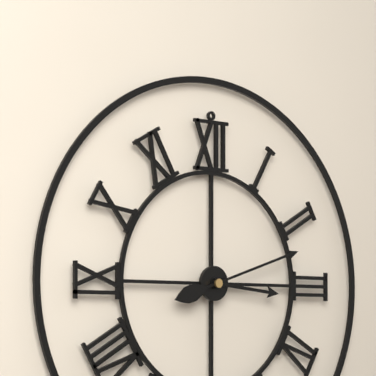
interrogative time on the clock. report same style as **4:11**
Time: **3:12**
